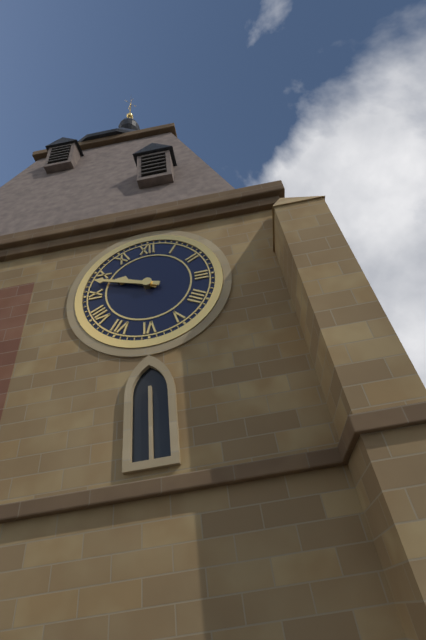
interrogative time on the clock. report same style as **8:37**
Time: **9:48**
